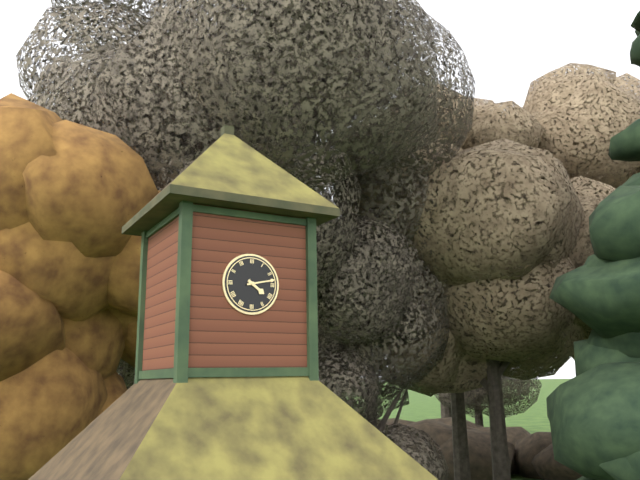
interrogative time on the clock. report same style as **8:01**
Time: **4:13**
